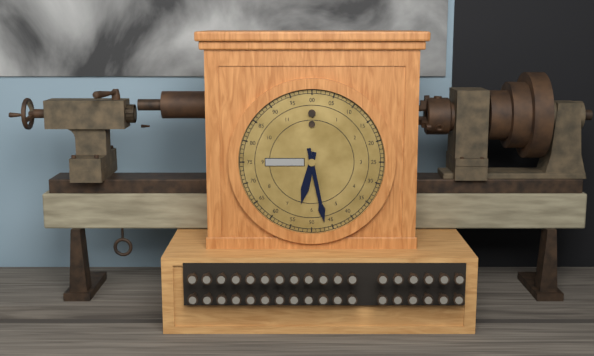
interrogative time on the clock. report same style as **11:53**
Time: **6:28**
